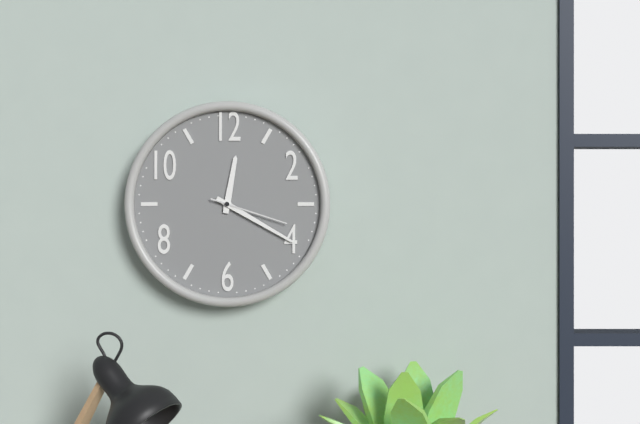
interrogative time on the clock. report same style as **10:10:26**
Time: **12:20:18**
